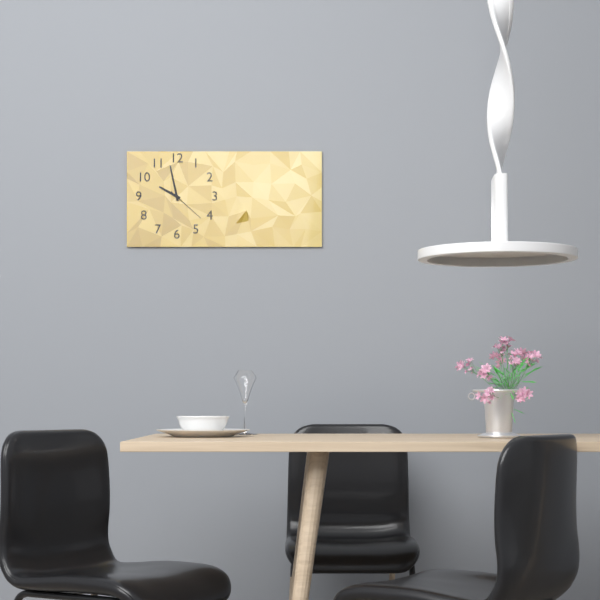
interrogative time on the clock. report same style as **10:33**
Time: **9:58**
